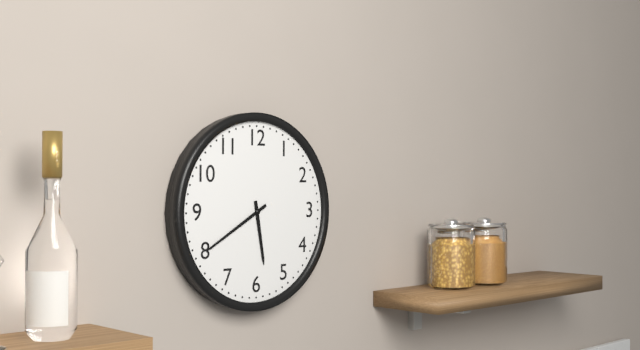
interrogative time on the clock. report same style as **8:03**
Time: **5:40**
